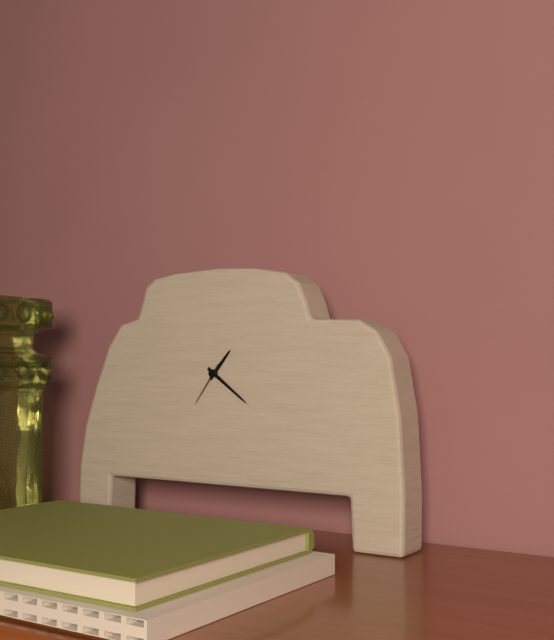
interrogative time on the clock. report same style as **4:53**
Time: **1:21**
